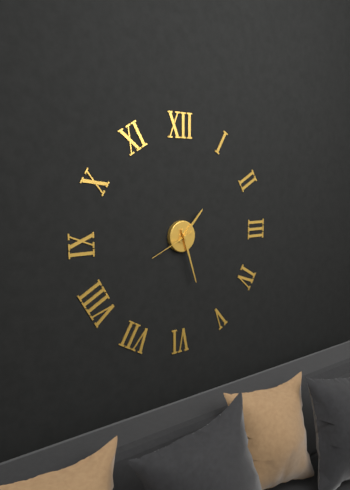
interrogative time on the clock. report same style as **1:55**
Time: **1:27**
